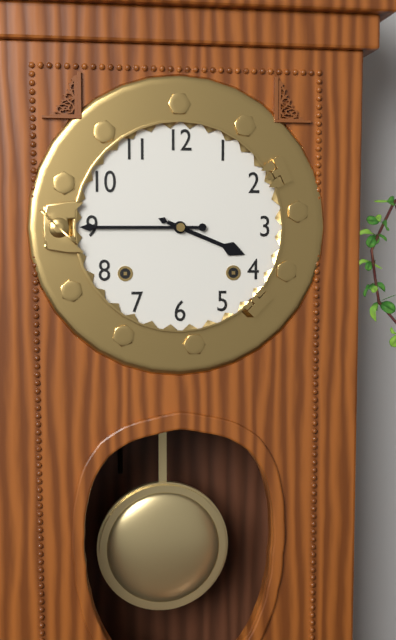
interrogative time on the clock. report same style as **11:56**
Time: **3:45**
